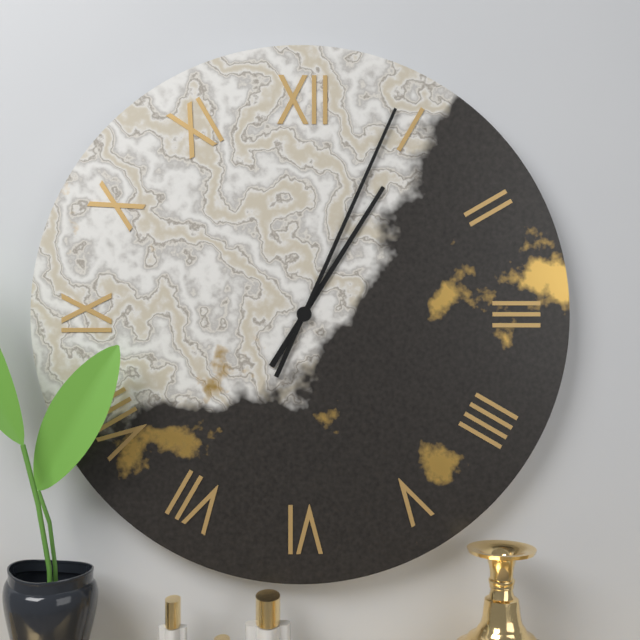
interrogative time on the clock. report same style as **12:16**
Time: **1:04**
